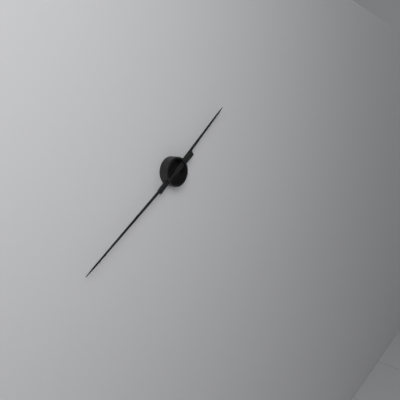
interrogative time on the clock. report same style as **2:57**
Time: **1:39**
